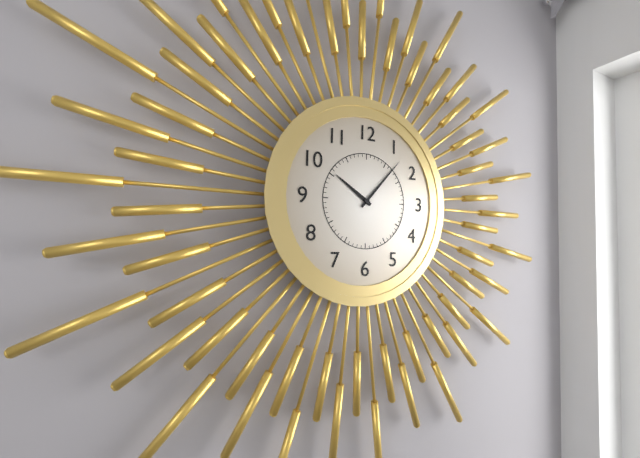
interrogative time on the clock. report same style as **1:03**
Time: **10:07**
